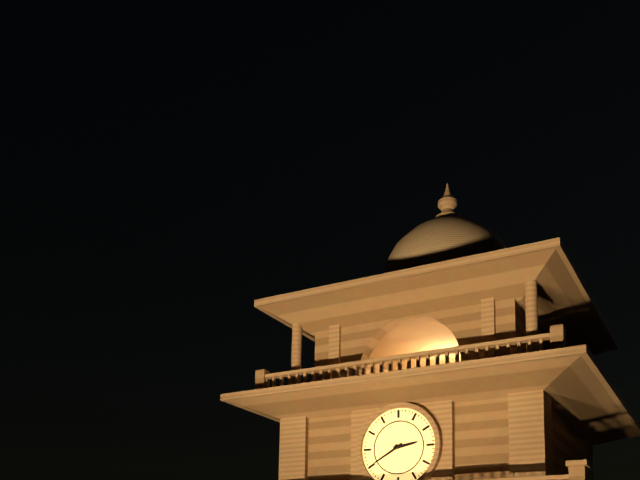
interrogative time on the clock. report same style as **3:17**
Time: **2:40**
